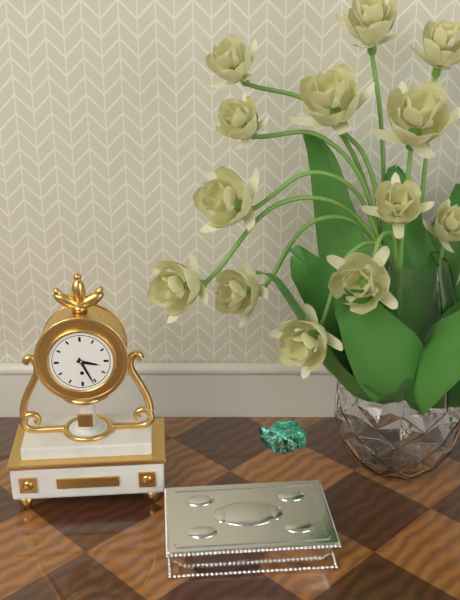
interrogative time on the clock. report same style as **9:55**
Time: **3:26**
